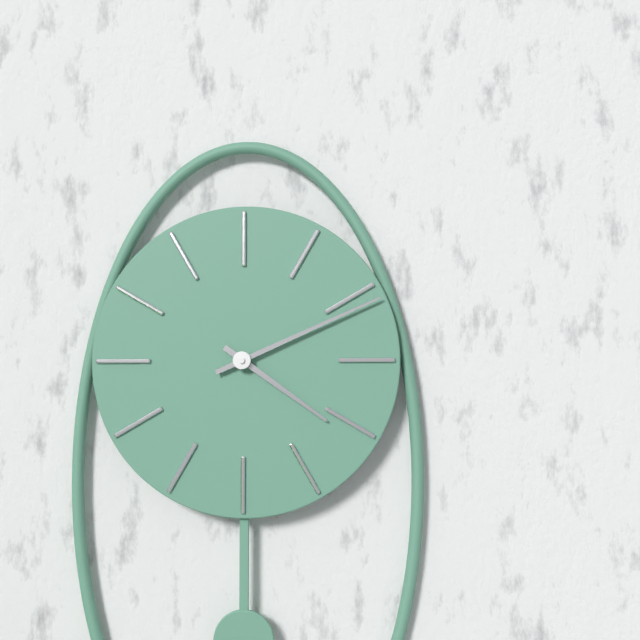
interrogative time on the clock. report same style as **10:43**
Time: **4:11**
